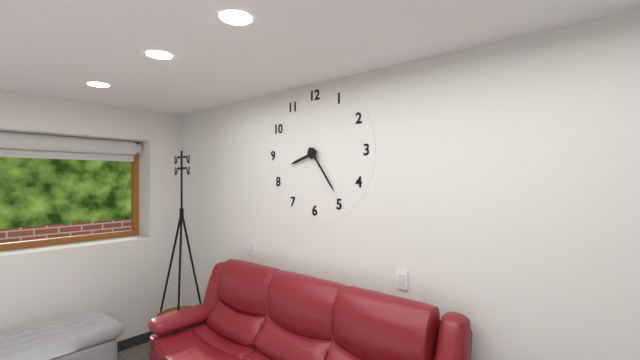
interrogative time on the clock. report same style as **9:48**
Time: **8:24**
